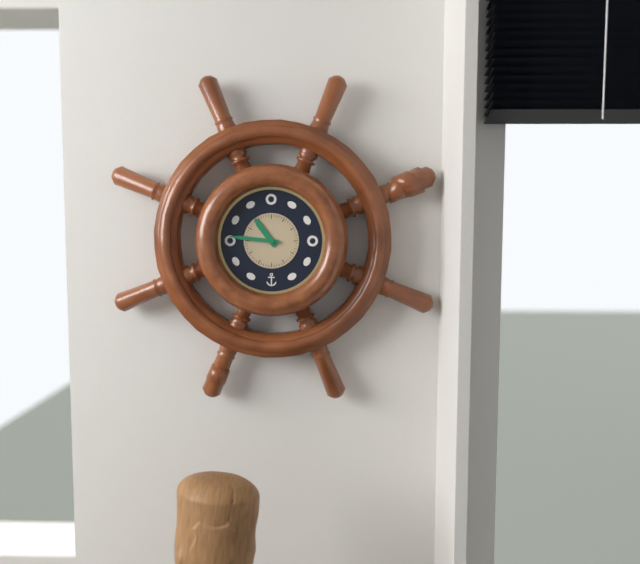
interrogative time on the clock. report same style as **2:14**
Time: **10:46**
